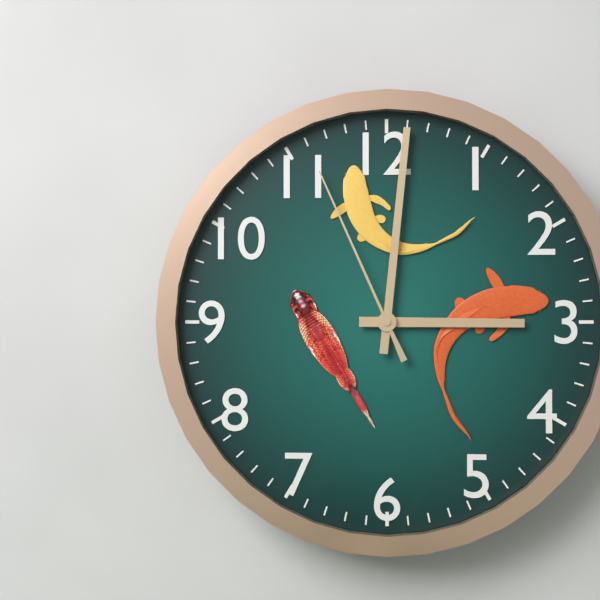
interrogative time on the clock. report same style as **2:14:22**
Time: **3:01:56**
